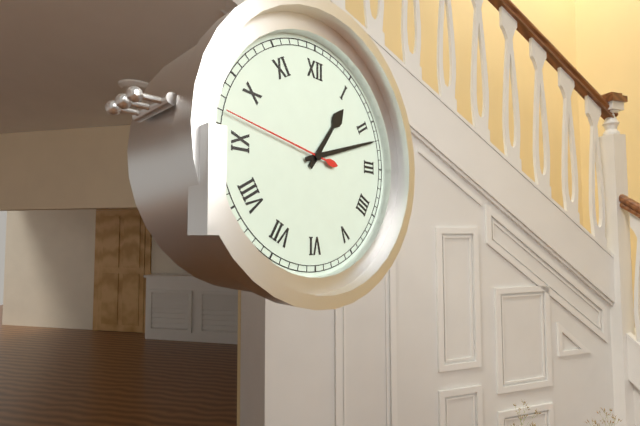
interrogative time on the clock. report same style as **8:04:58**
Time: **1:12:47**
